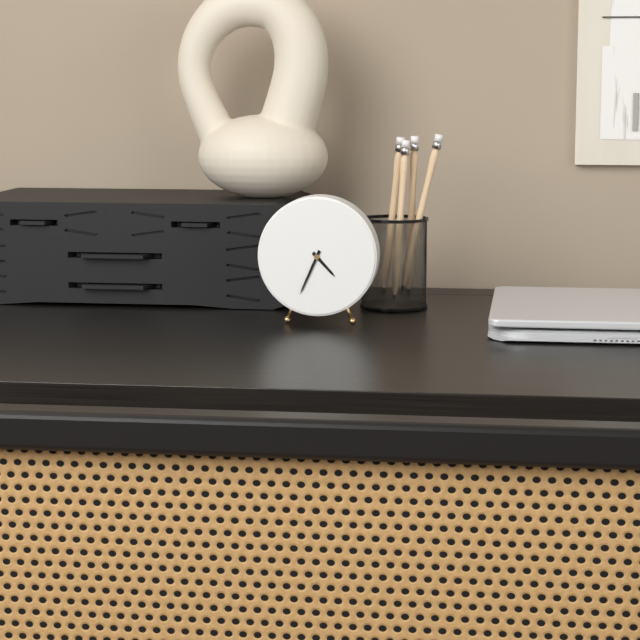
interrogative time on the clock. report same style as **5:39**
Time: **4:34**
